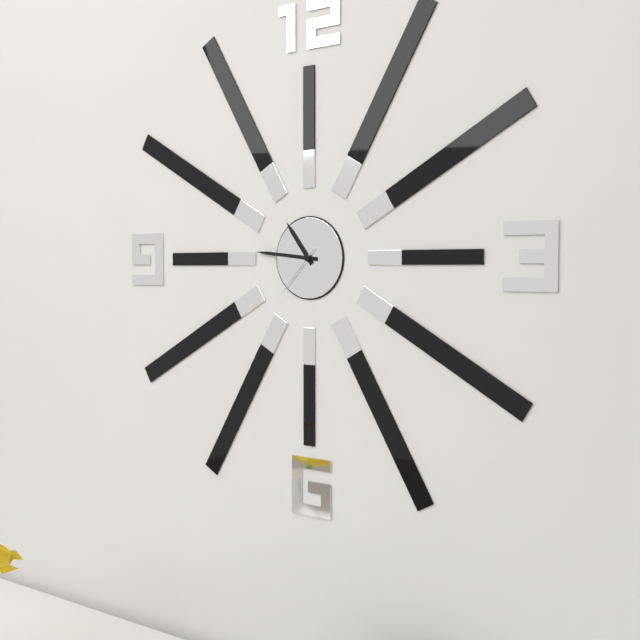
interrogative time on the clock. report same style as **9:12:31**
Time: **10:46:37**
